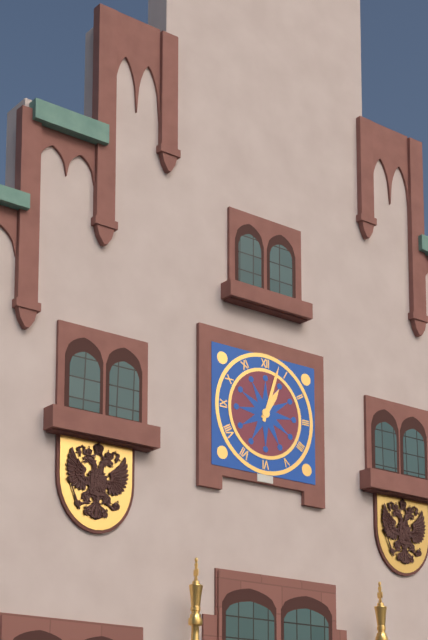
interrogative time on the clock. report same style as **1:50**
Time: **1:03**
